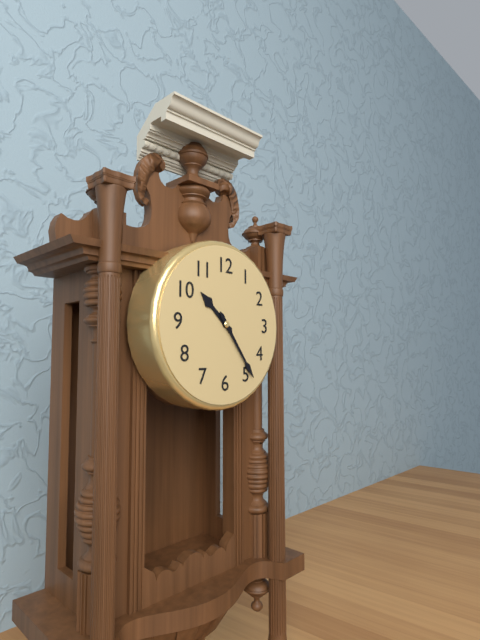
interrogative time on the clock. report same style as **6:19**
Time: **10:24**
